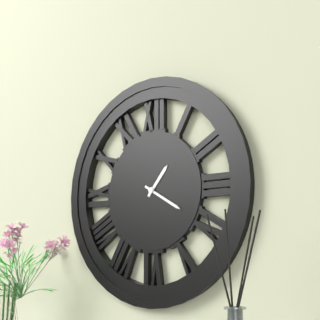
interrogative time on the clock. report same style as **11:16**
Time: **1:20**
